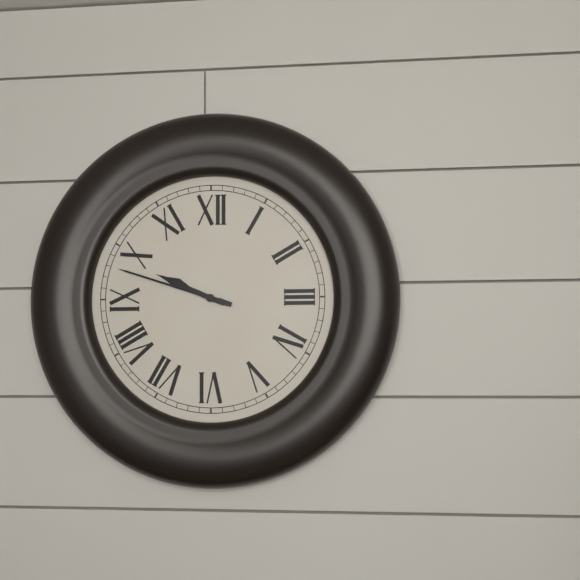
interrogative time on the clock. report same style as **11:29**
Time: **9:48**
